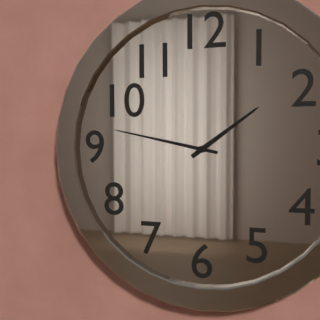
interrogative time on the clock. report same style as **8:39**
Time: **1:47**
